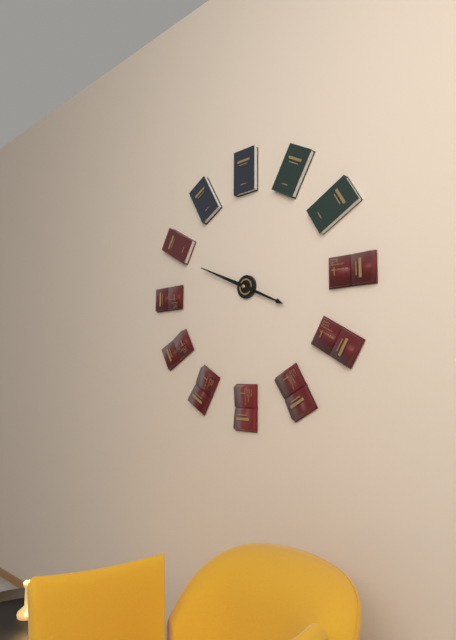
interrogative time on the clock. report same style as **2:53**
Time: **3:49**
